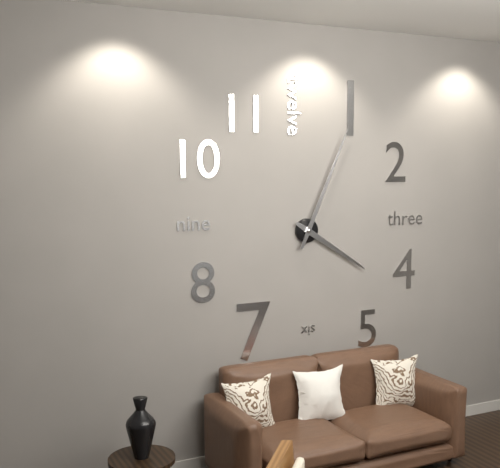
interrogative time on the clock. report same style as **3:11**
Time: **4:04**
